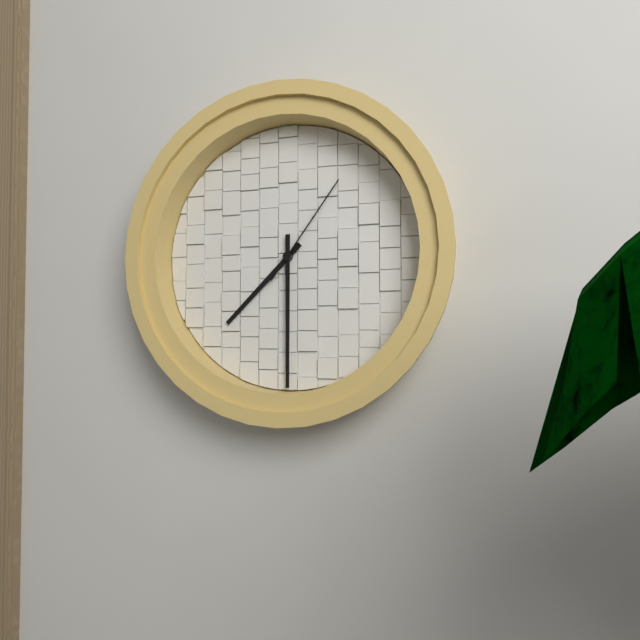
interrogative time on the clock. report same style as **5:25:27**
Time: **7:30:06**
